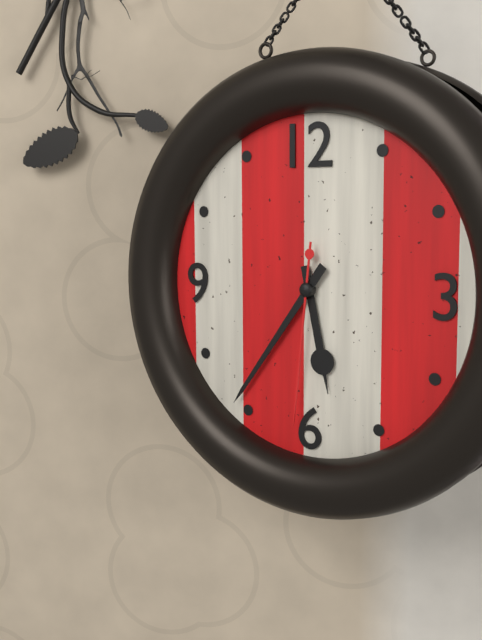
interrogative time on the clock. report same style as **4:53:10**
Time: **5:36:31**
